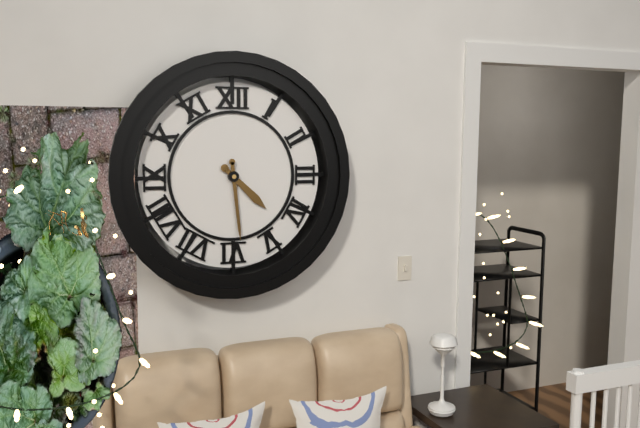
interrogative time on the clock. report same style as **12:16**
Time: **4:29**
